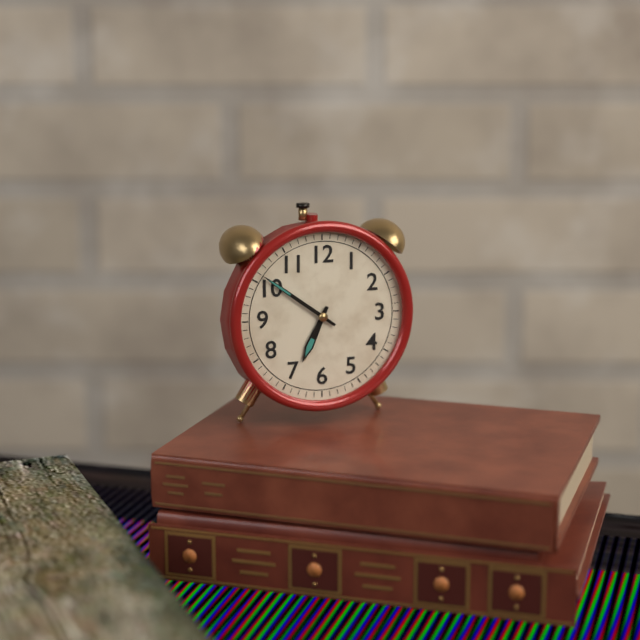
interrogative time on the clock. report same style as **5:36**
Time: **6:51**
